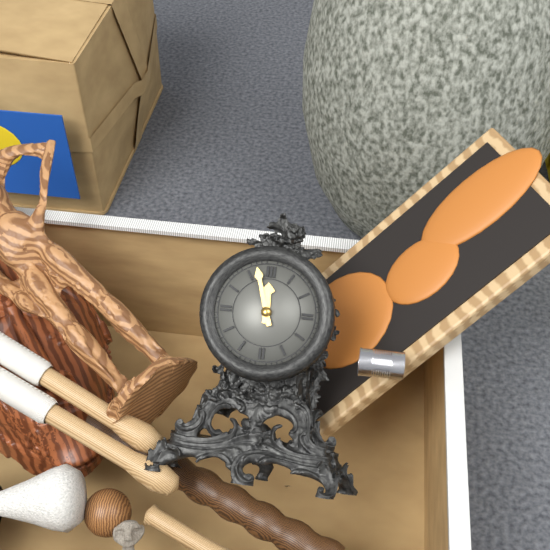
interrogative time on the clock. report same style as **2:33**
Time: **11:57**
